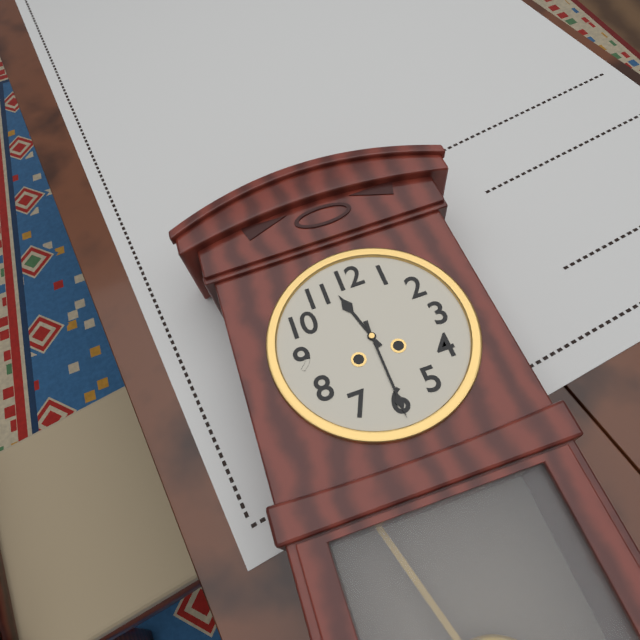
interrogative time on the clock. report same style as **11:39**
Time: **11:30**
